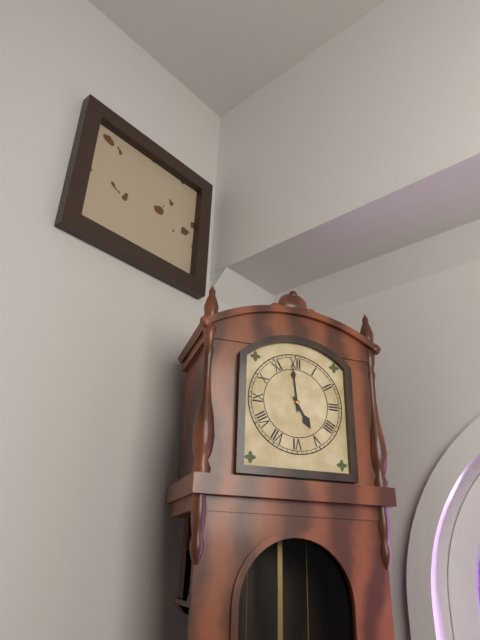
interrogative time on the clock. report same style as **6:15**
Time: **4:59**
